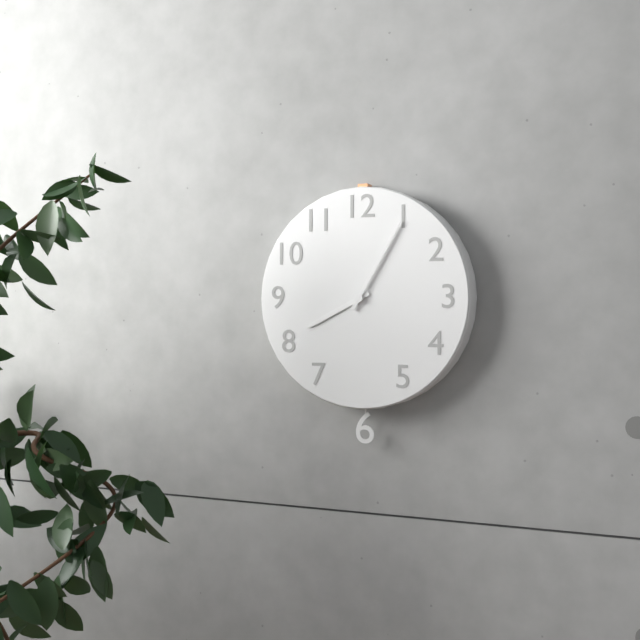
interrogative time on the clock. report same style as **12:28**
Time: **8:05**
